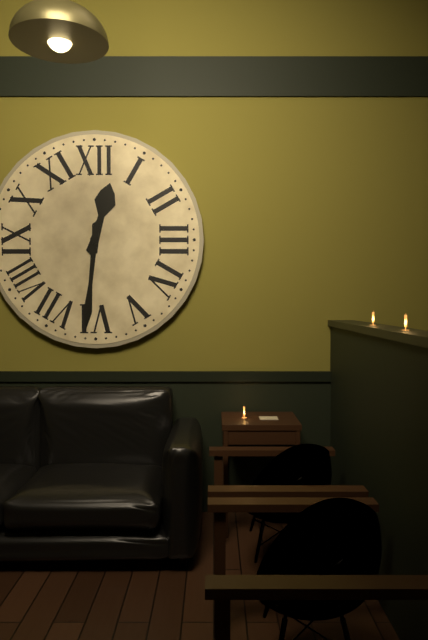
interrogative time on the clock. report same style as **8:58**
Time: **12:31**
